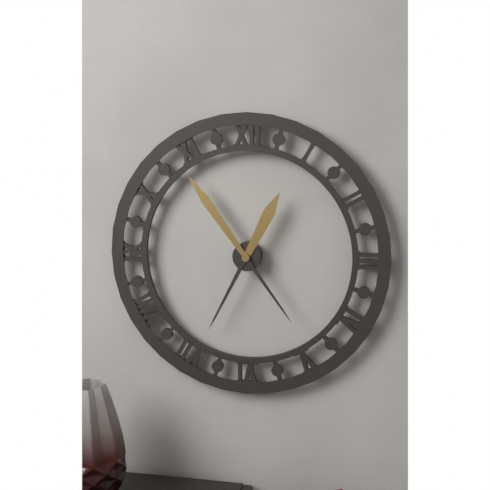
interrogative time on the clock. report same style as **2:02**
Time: **12:54**
